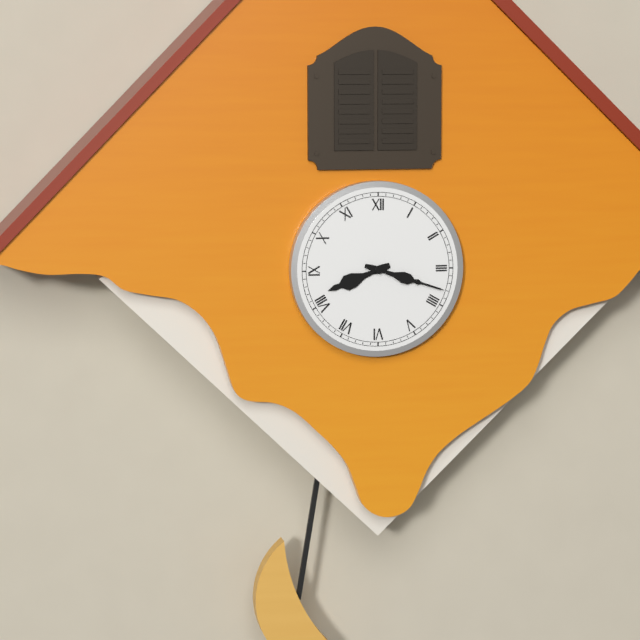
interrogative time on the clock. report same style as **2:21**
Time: **8:18**
